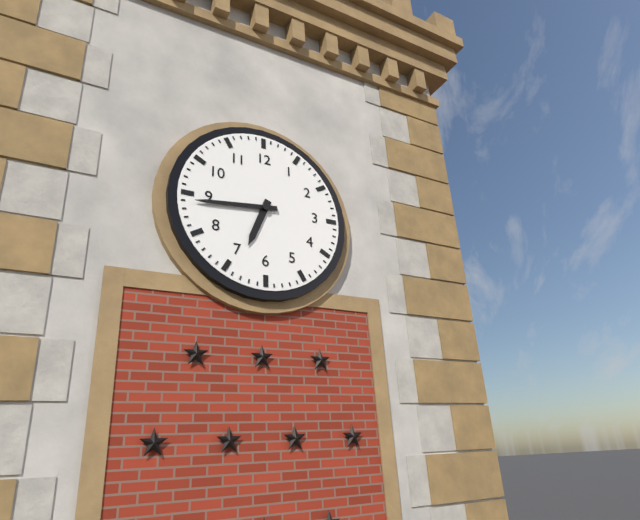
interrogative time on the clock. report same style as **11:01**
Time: **6:44**
